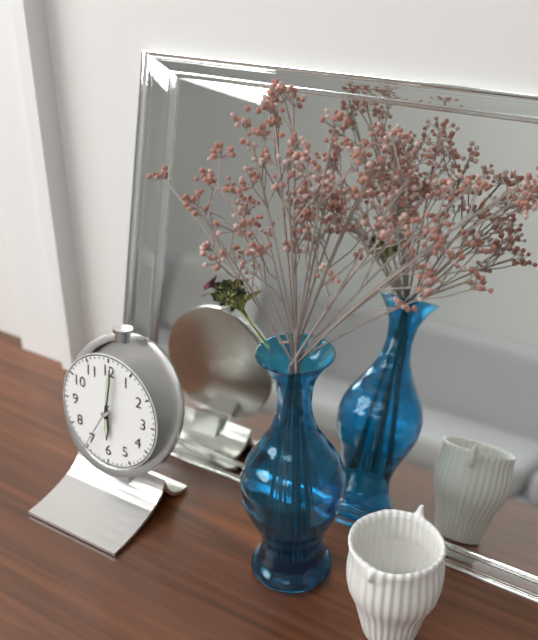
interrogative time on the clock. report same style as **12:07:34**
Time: **6:01:35**
